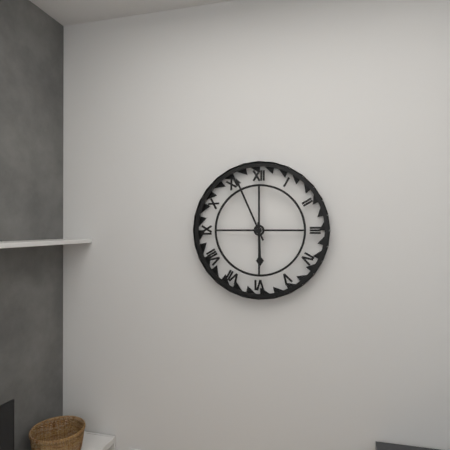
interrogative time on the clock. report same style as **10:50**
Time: **5:56**
